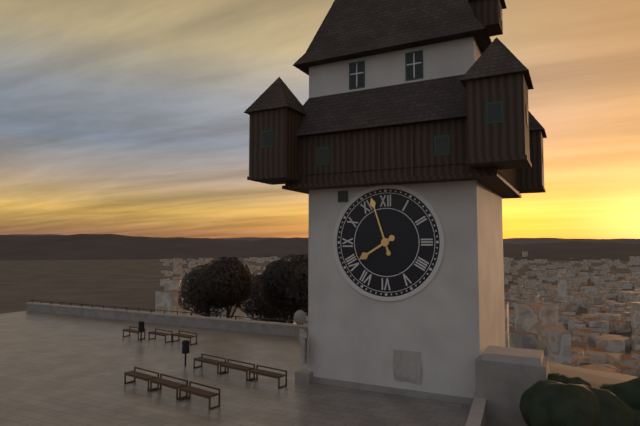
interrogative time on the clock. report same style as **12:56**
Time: **7:57**
